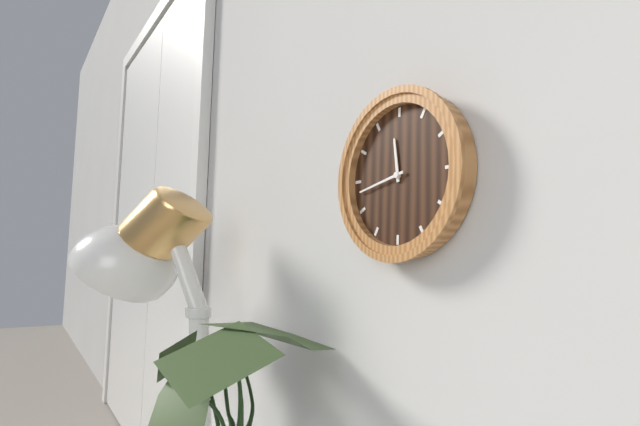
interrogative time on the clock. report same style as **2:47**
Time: **11:43**
